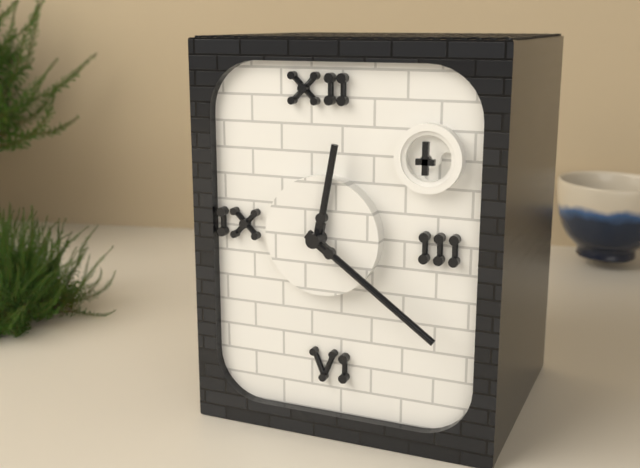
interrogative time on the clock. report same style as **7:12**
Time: **12:21**
